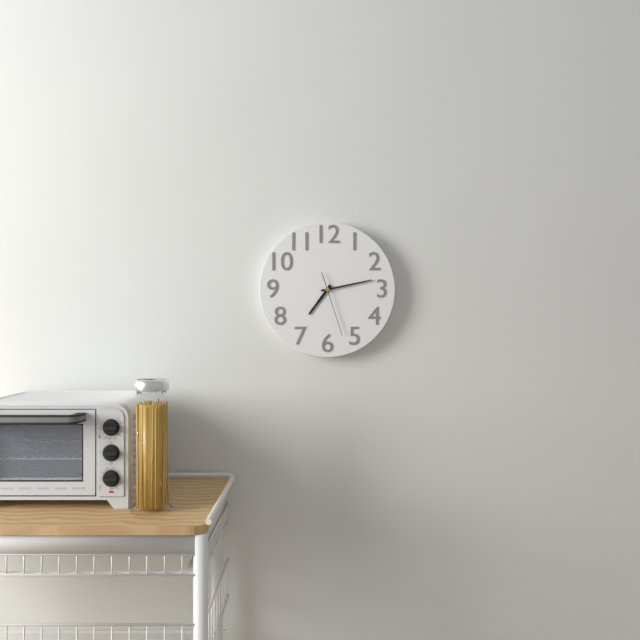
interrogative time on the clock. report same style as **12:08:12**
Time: **7:13:27**
